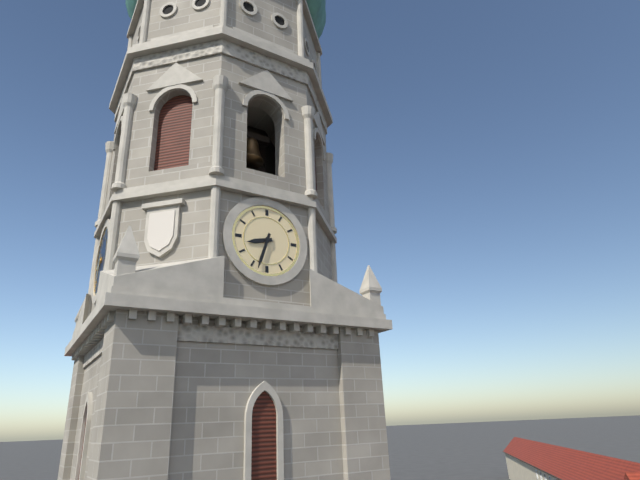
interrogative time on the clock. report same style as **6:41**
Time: **8:33**
